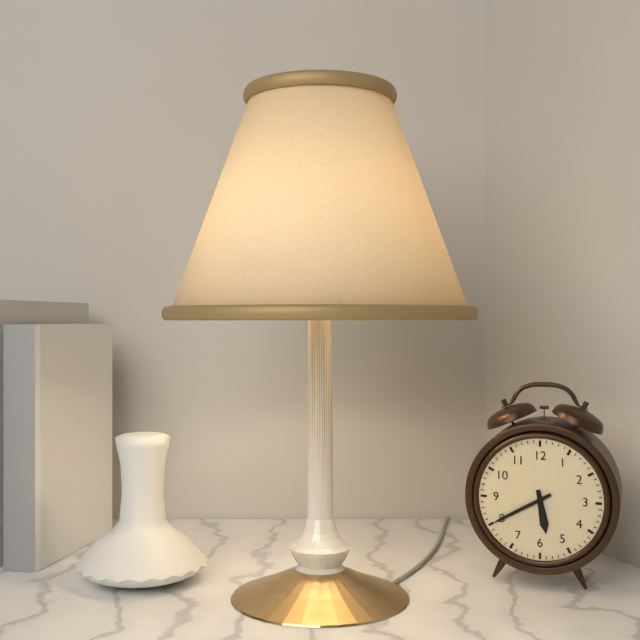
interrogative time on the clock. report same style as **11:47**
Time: **5:40**
